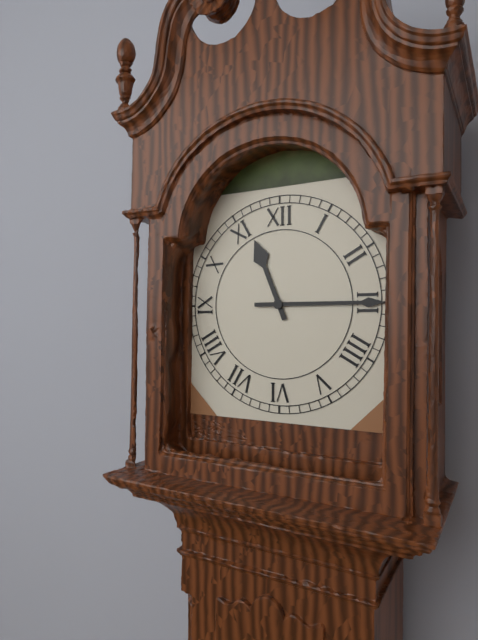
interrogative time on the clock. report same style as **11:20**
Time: **11:15**
